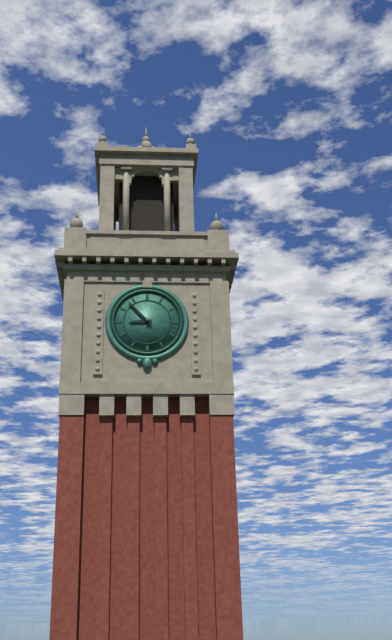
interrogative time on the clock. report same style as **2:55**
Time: **8:53**
